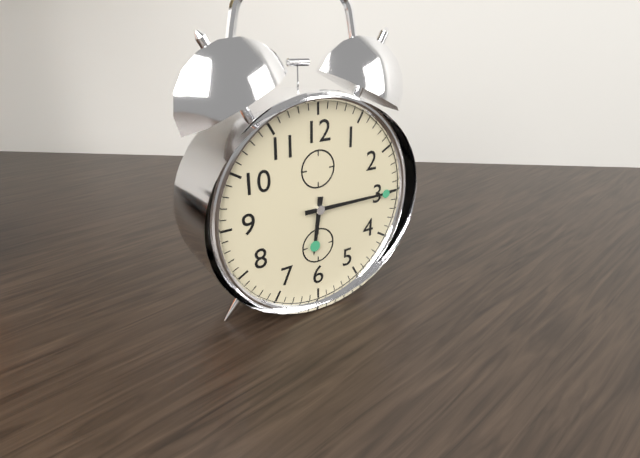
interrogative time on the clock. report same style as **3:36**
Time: **6:15**
